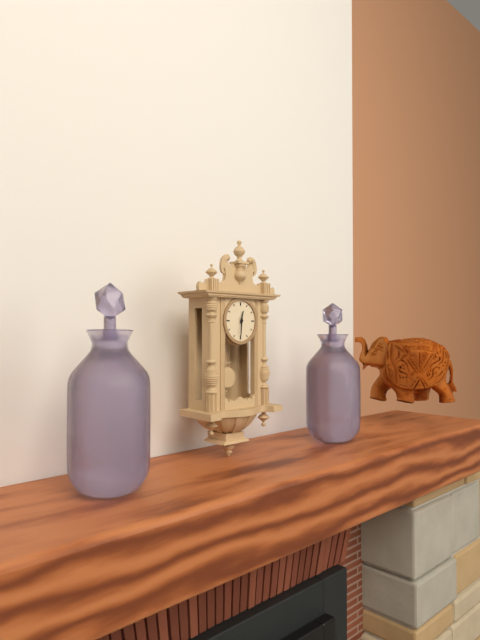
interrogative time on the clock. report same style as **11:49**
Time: **12:31**
